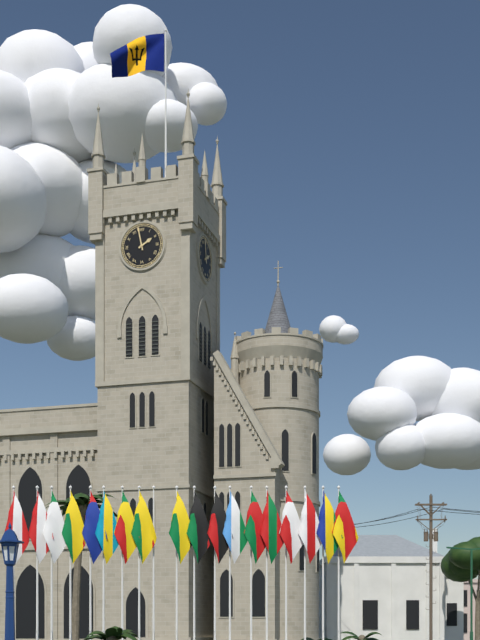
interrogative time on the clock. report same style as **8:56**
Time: **1:58**
